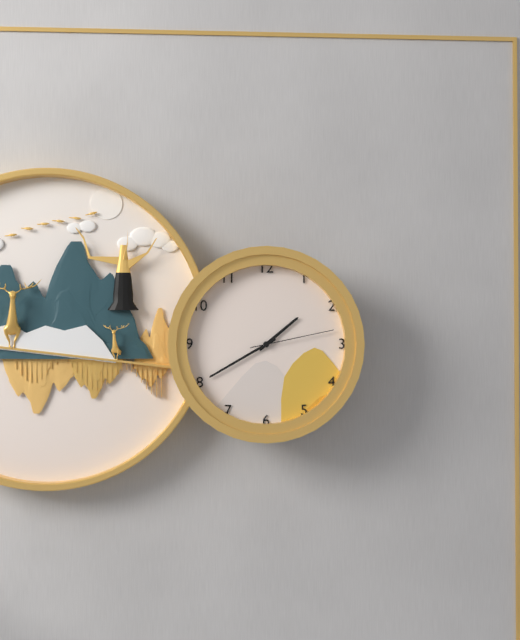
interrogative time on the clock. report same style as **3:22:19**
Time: **1:40:13**
